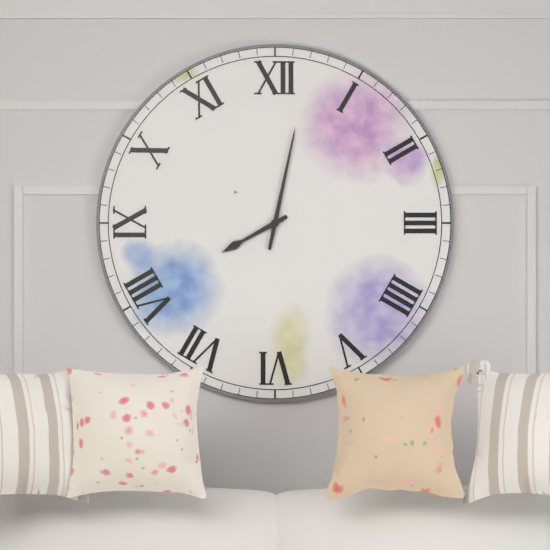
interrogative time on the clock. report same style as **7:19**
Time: **8:02**
